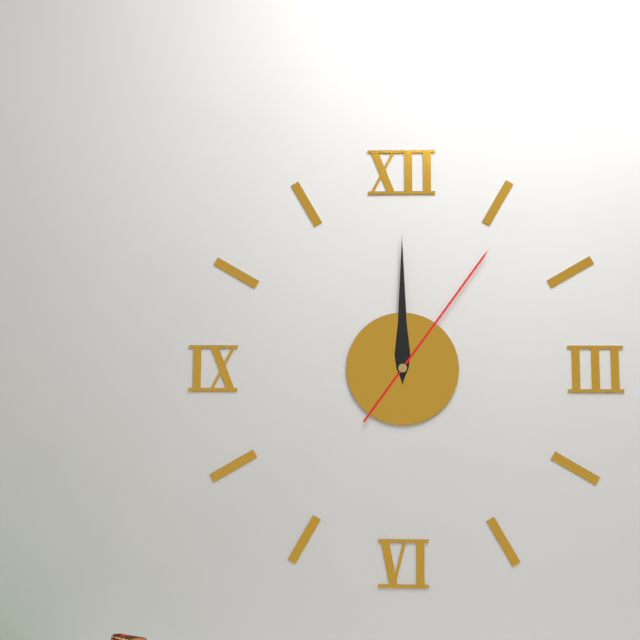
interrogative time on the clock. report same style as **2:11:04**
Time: **12:00:06**
